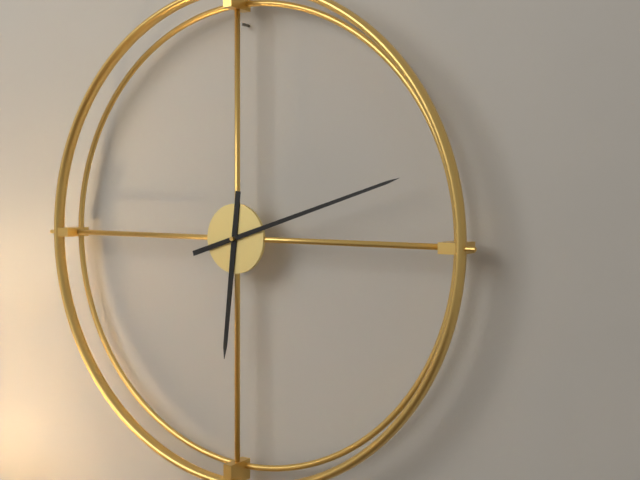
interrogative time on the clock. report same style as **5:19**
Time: **6:12**
